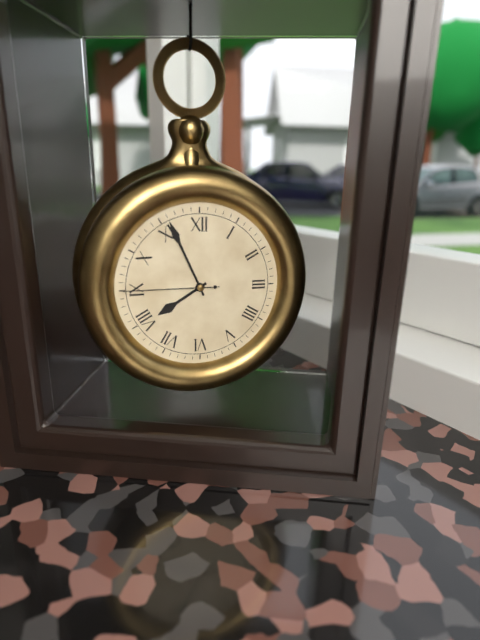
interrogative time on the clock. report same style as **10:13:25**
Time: **7:56:45**
